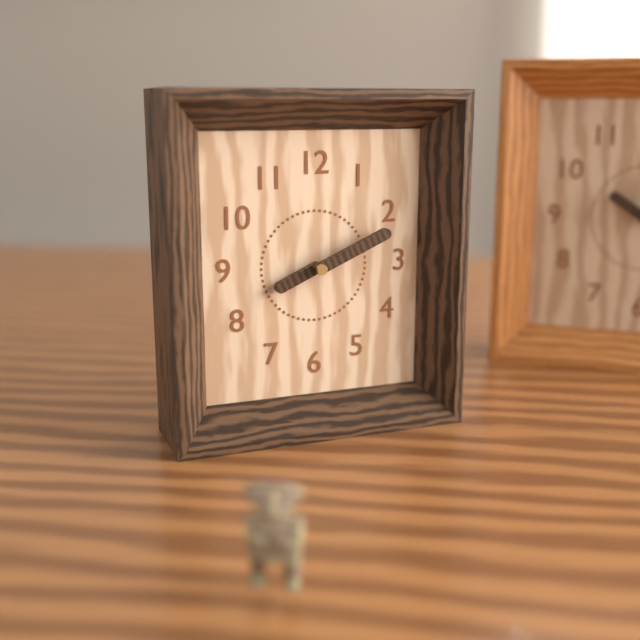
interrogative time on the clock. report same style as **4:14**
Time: **8:11**
